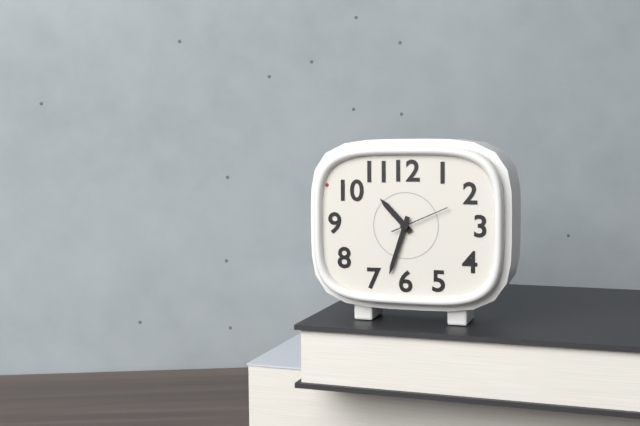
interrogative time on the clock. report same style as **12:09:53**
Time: **10:33:11**
